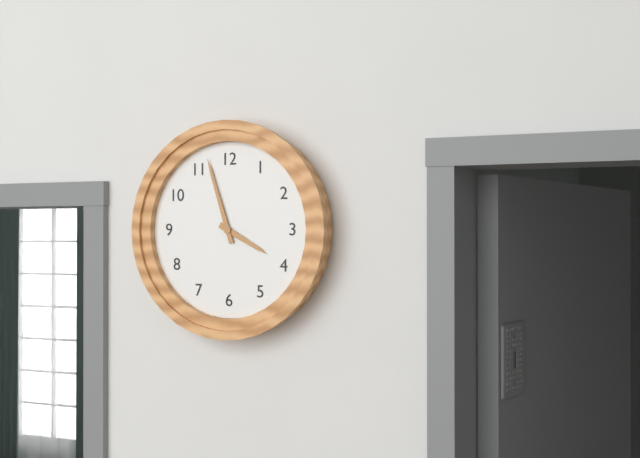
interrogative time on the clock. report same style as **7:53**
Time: **3:57**
